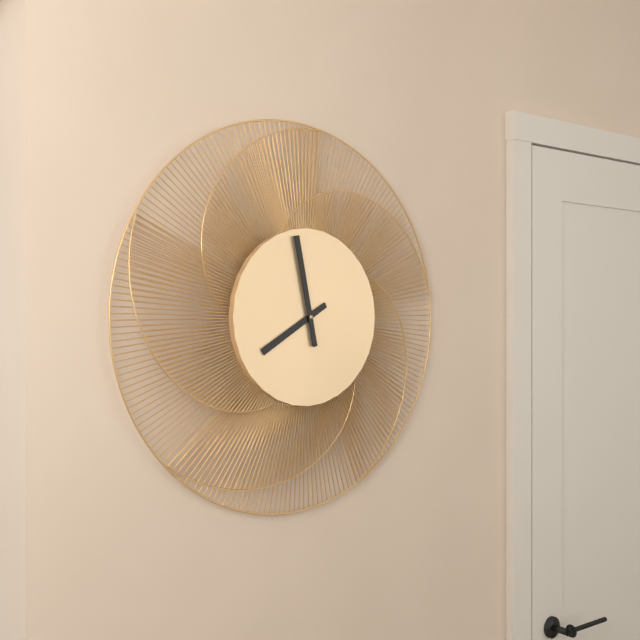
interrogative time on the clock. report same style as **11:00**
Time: **7:58**
